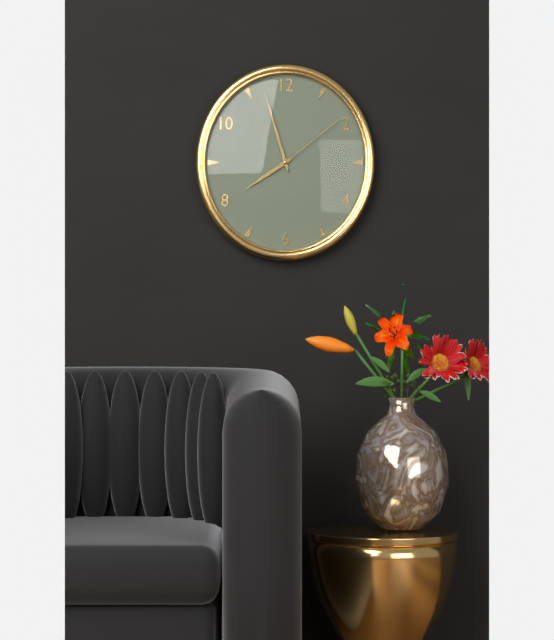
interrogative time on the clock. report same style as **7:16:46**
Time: **7:57:09**
